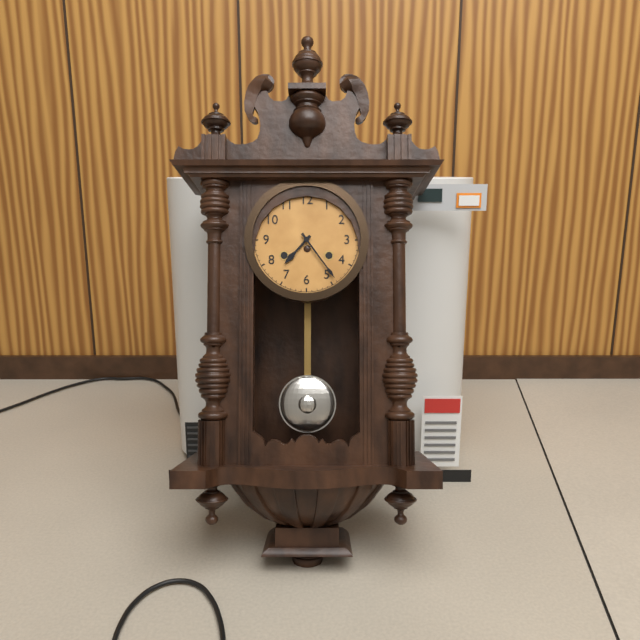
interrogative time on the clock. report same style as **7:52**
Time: **7:24**
